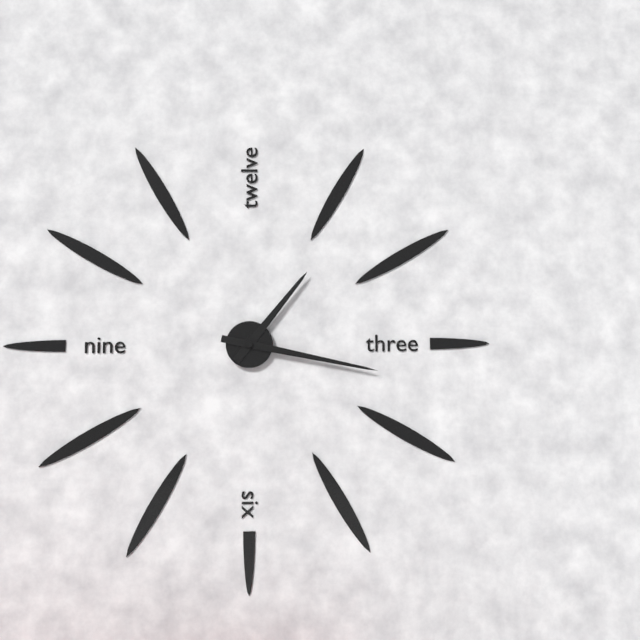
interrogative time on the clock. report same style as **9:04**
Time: **1:17**
